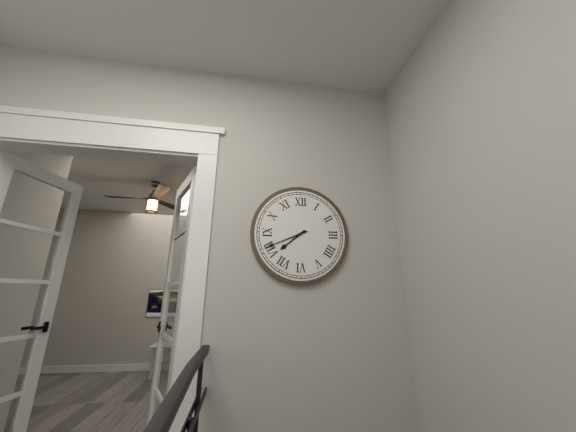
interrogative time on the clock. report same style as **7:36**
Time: **7:41**
